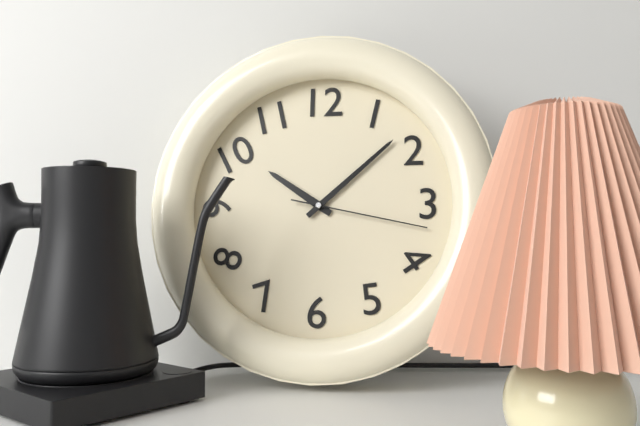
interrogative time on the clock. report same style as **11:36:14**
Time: **10:08:17**
